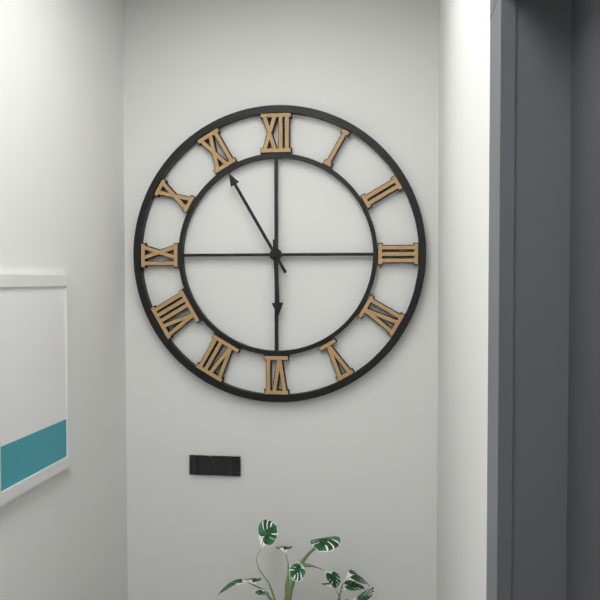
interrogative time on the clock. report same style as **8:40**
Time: **5:55**
